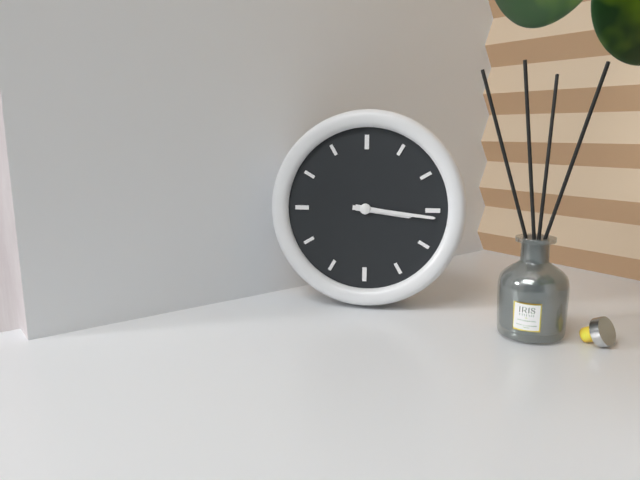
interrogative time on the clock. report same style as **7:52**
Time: **3:16**
